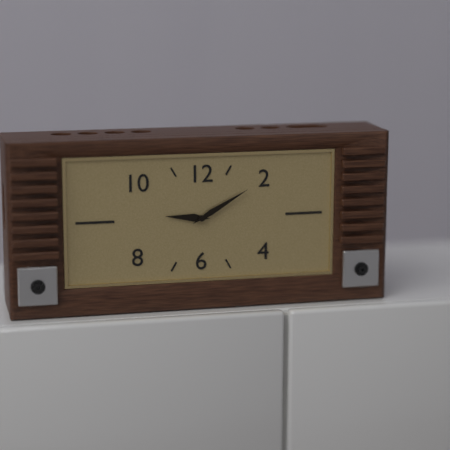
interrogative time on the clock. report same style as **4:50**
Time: **9:10**
